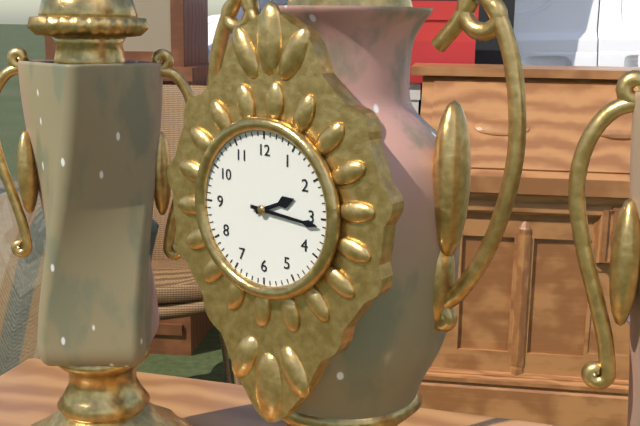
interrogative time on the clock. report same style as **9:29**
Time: **2:16**
